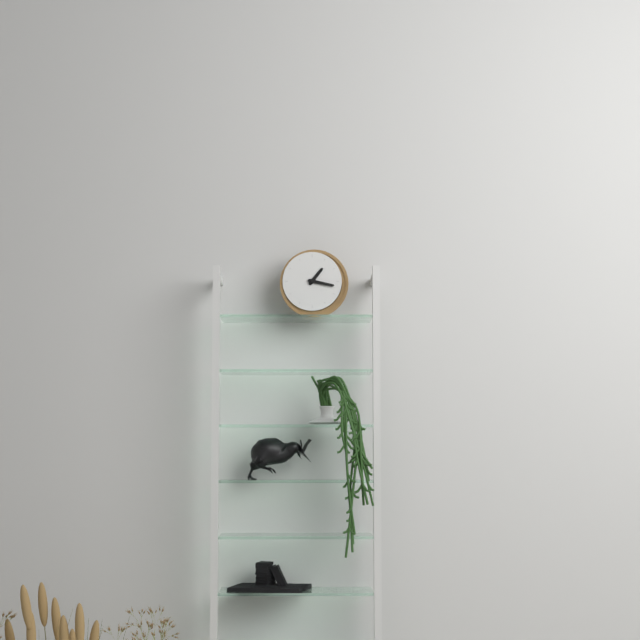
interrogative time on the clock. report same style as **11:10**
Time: **1:17**
